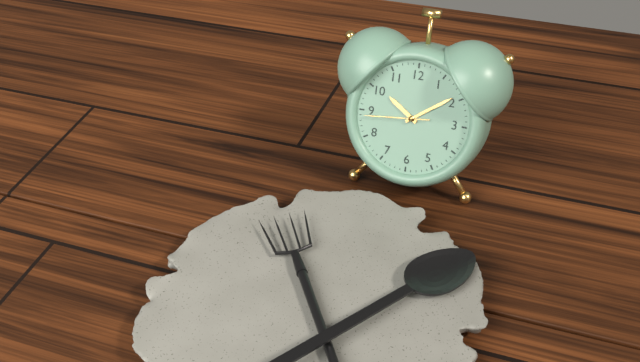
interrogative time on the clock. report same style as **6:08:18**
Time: **10:09:44**
